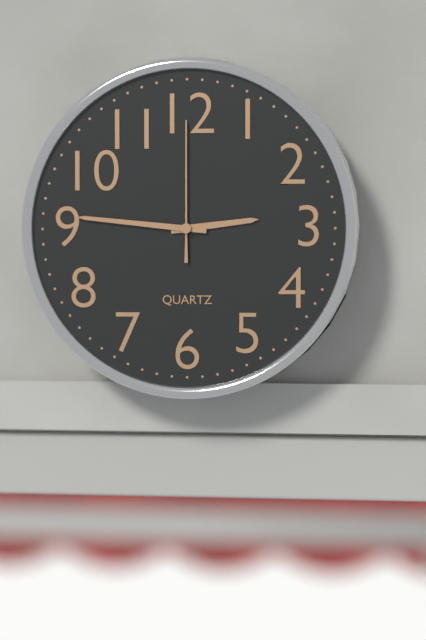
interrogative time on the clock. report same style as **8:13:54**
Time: **2:46:00**
